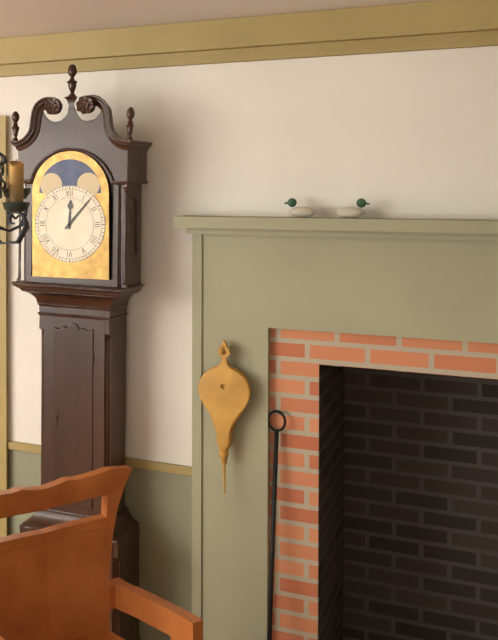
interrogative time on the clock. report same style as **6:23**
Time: **12:07**
